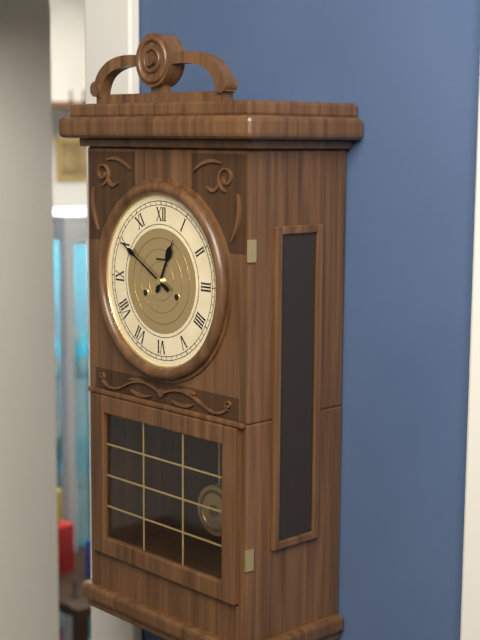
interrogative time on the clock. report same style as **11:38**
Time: **12:50**
